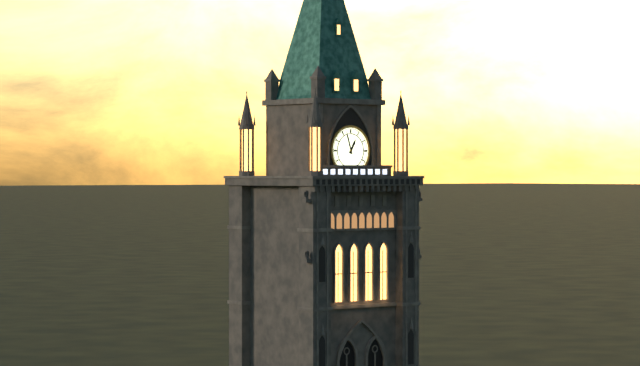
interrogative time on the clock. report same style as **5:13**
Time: **12:57**
